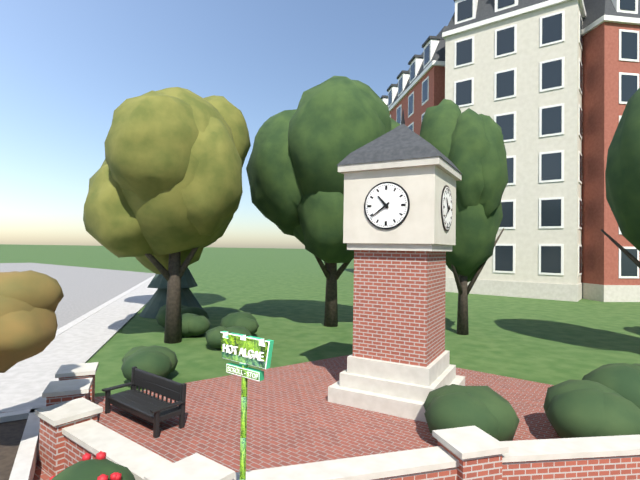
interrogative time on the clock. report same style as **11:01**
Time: **10:39**
